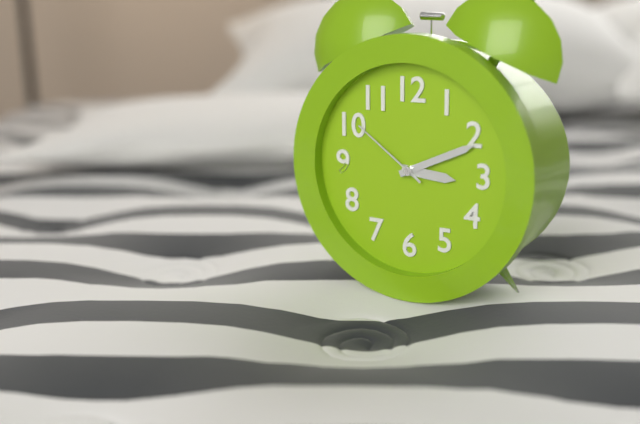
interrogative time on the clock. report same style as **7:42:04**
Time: **3:11:51**
